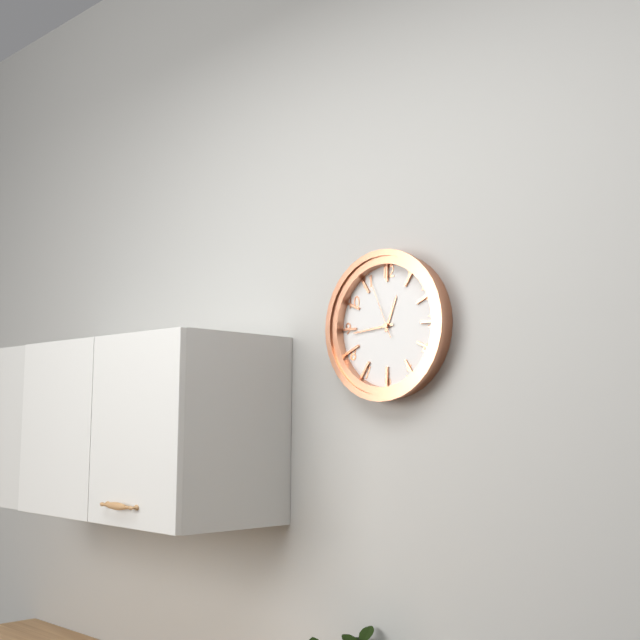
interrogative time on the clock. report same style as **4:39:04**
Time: **12:44:56**
